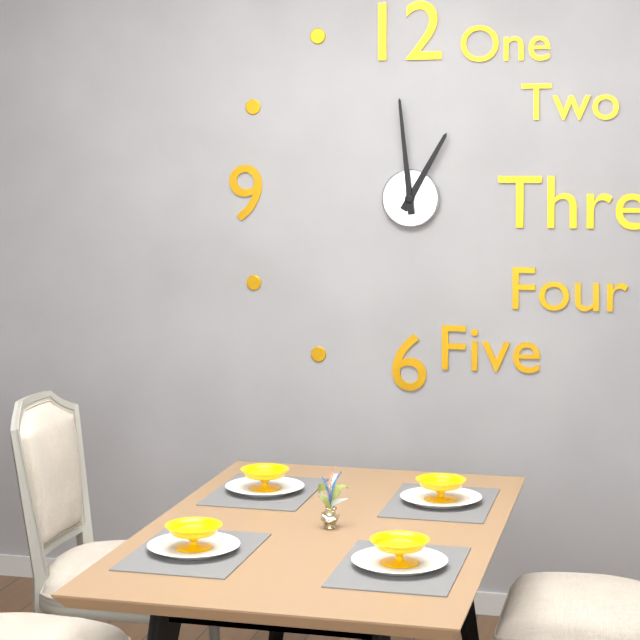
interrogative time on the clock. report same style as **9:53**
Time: **12:59**
